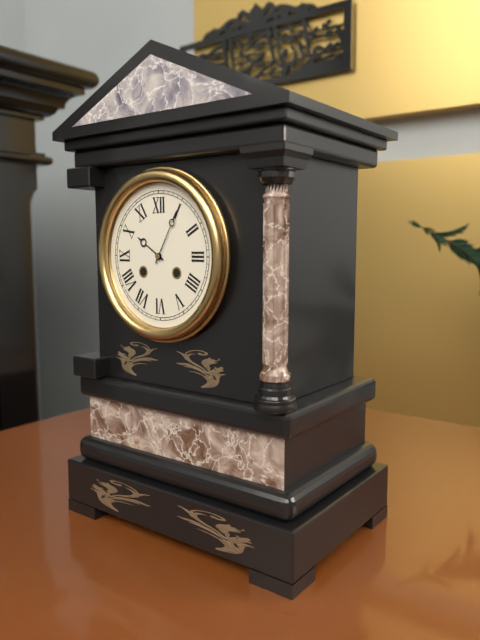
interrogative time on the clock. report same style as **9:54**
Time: **10:05**
